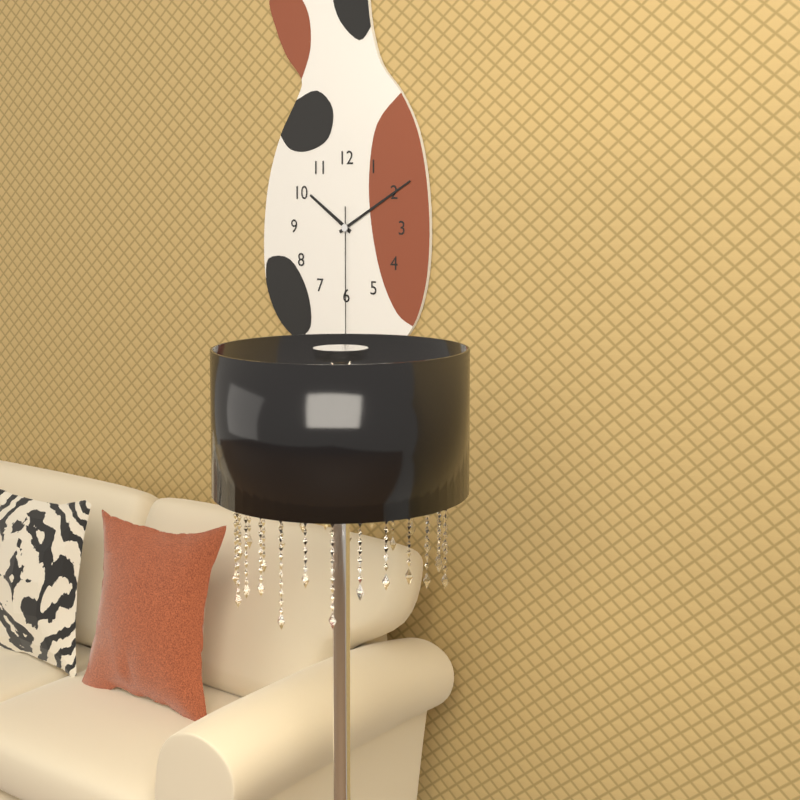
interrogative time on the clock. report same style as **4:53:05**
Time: **10:10:30**
